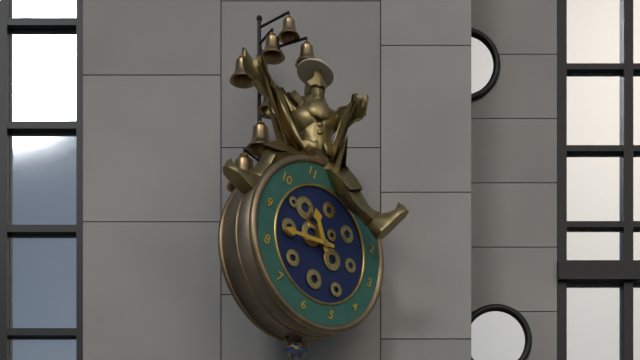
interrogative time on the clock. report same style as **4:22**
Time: **10:42**
